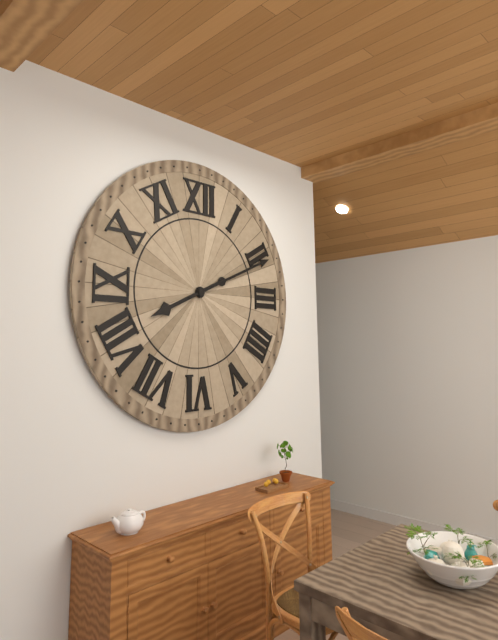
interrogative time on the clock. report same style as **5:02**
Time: **8:11**
